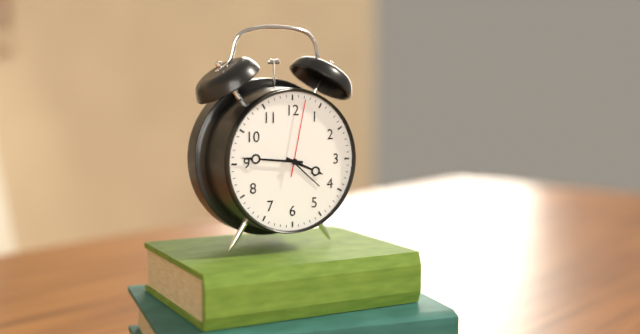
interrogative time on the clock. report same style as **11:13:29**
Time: **3:46:02**
